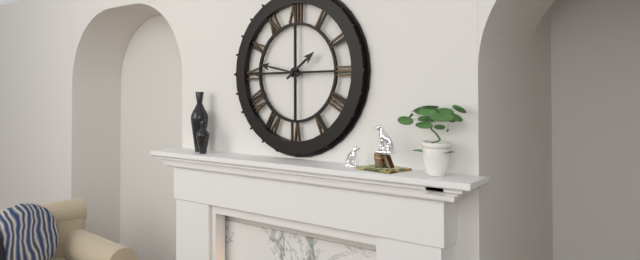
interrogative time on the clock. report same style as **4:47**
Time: **1:47**
